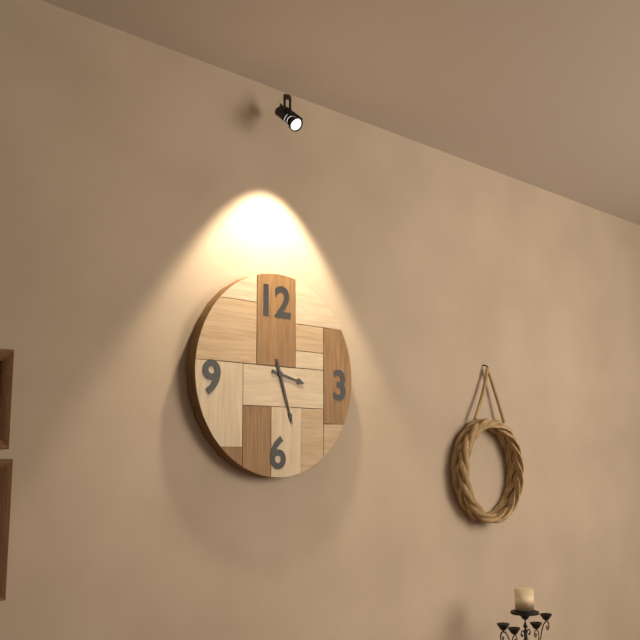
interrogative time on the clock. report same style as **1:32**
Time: **3:27**
